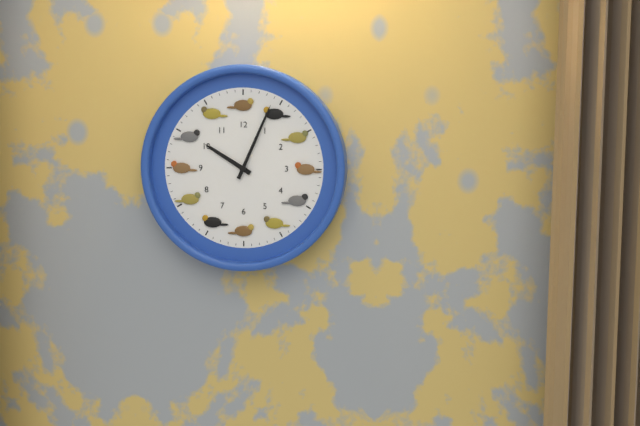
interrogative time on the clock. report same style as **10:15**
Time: **10:04**
